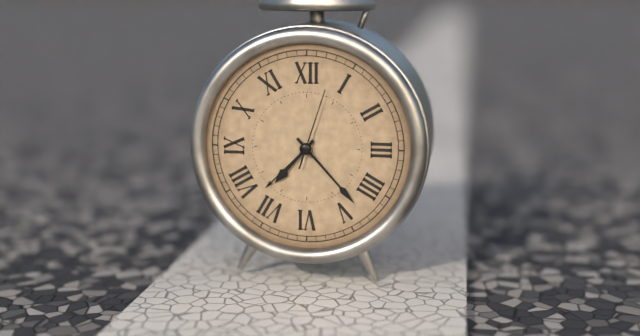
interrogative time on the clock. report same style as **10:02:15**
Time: **7:23:03**
